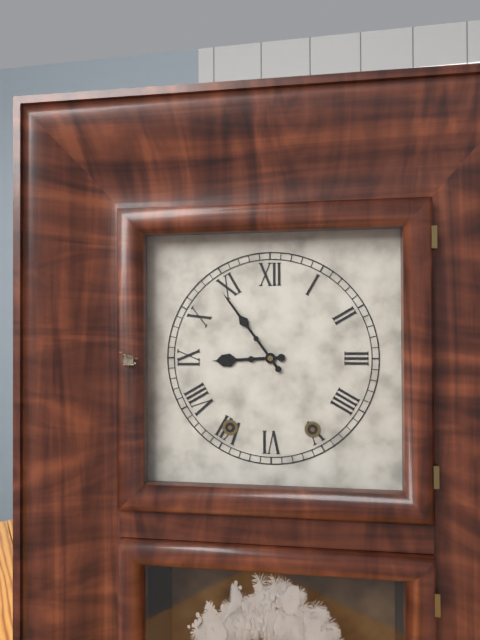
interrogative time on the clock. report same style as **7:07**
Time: **8:54**
